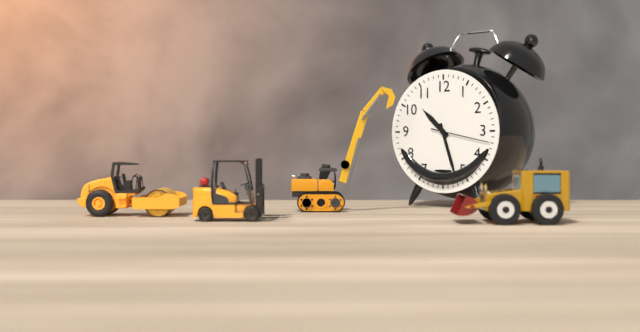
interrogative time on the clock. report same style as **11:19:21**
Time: **10:27:17**
